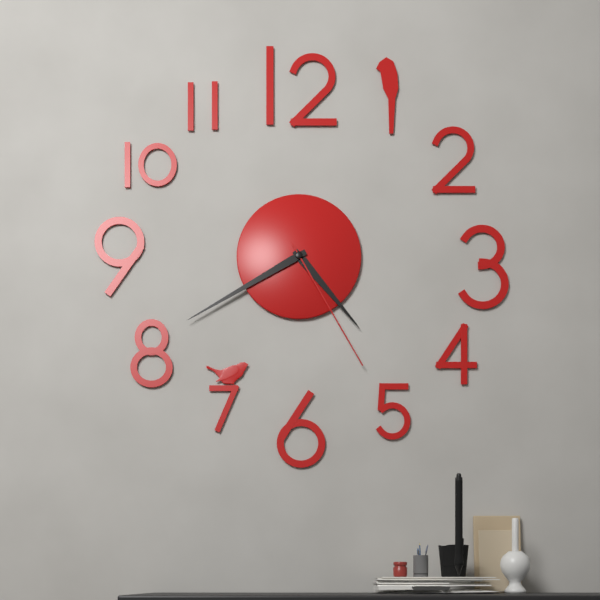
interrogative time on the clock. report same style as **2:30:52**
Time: **4:40:25**
